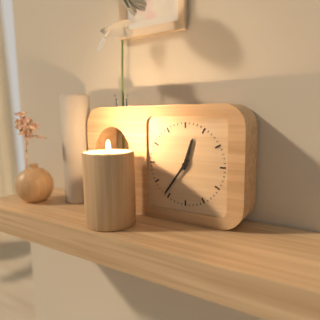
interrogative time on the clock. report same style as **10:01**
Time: **12:36**
